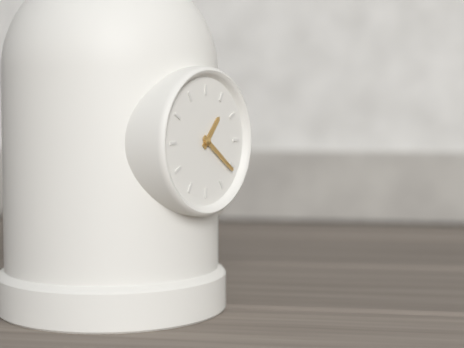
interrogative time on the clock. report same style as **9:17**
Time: **1:21**
